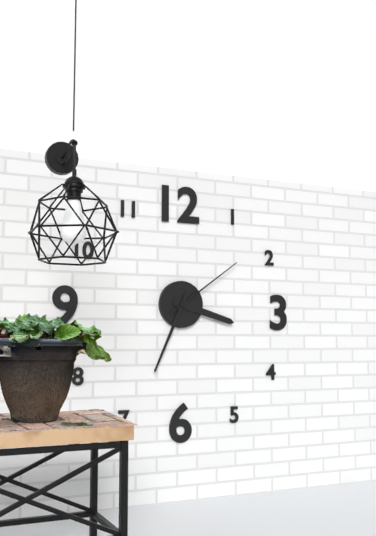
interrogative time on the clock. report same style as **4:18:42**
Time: **3:34:09**
